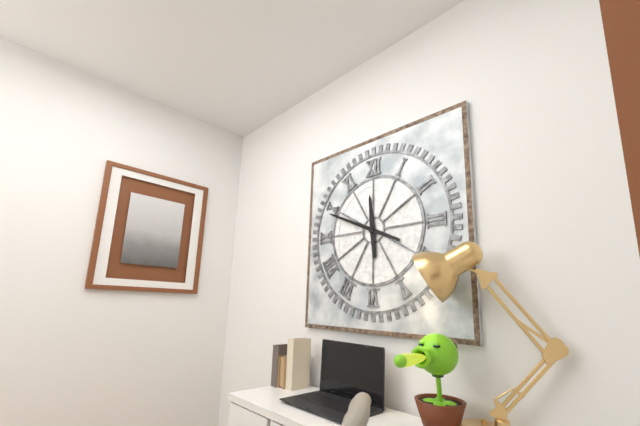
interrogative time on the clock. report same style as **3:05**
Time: **11:49**
